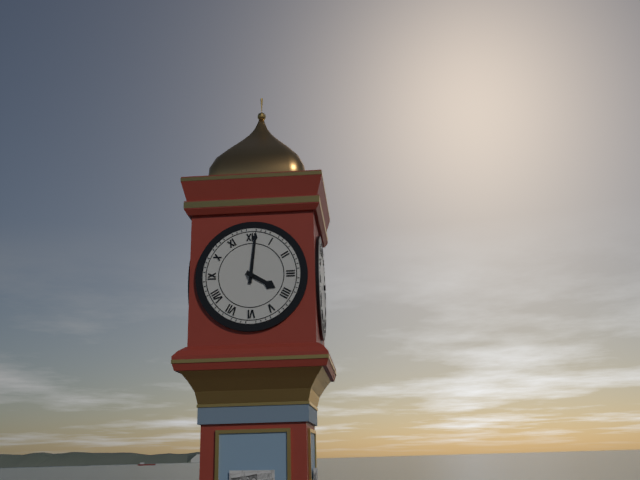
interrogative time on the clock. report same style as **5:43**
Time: **4:01**
